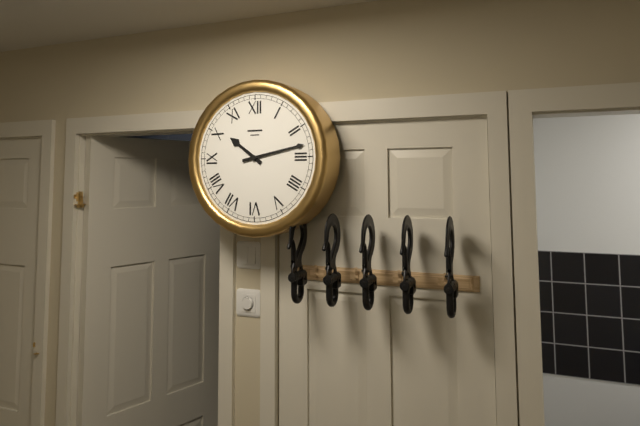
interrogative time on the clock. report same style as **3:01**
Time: **10:13**
